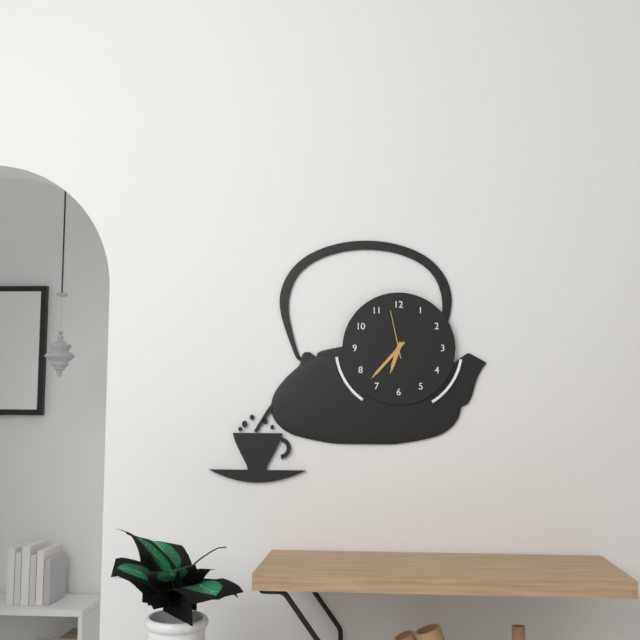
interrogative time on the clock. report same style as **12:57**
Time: **6:37**
